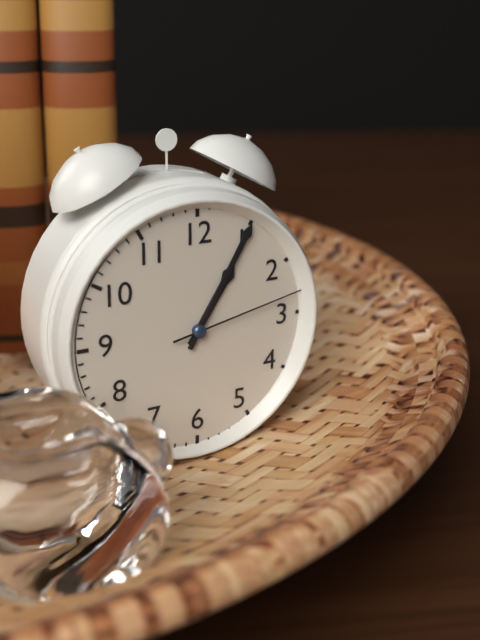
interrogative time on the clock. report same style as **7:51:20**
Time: **1:05:13**
